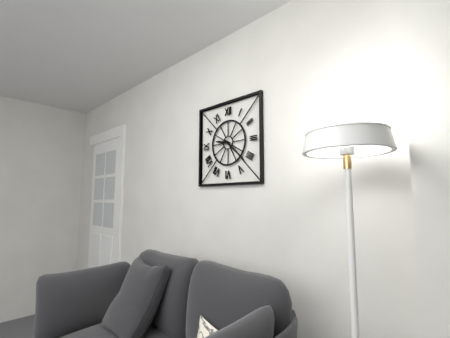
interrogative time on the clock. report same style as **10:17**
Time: **9:22**
